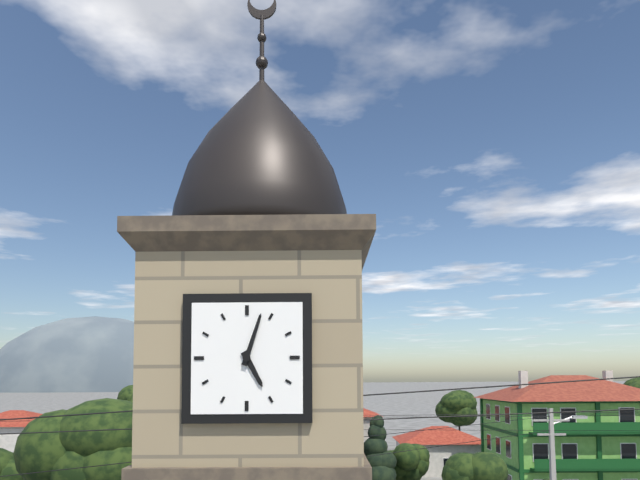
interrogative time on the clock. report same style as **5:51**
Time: **5:03**
